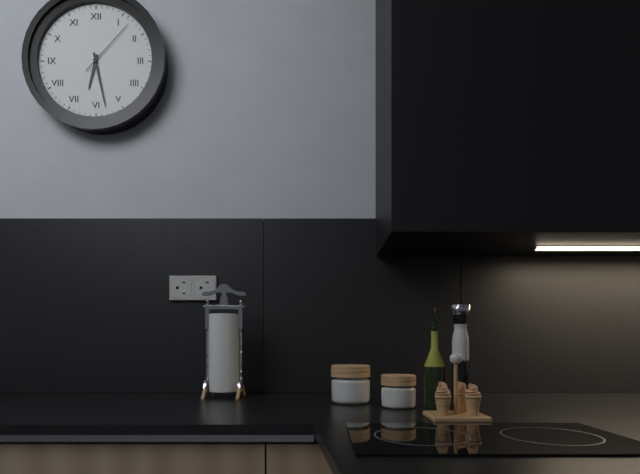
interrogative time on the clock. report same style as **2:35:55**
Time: **6:28:07**
